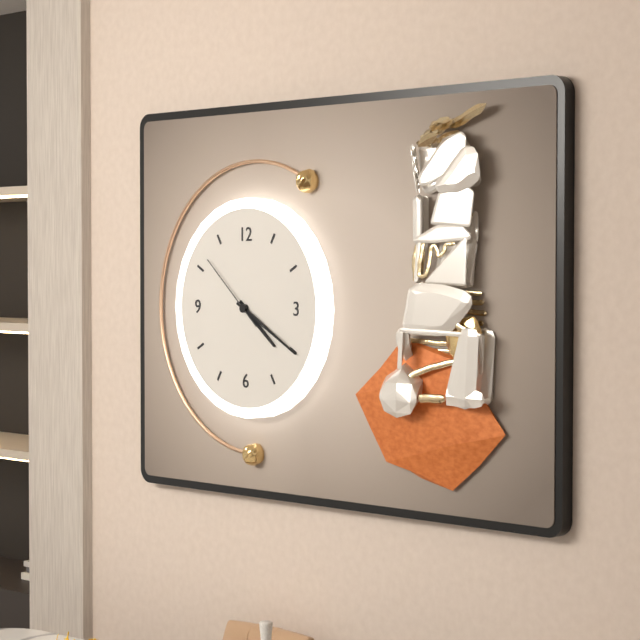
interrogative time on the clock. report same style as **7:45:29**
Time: **4:20:52**
